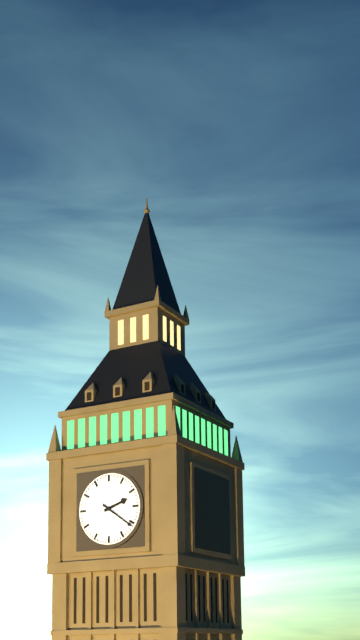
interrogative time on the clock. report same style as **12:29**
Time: **2:21**
